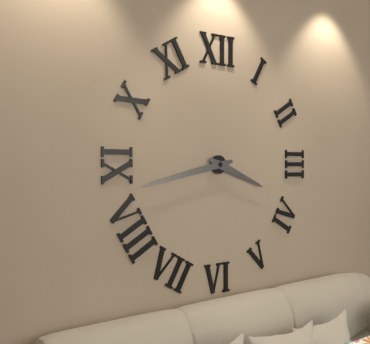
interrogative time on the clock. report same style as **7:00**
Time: **3:43**
